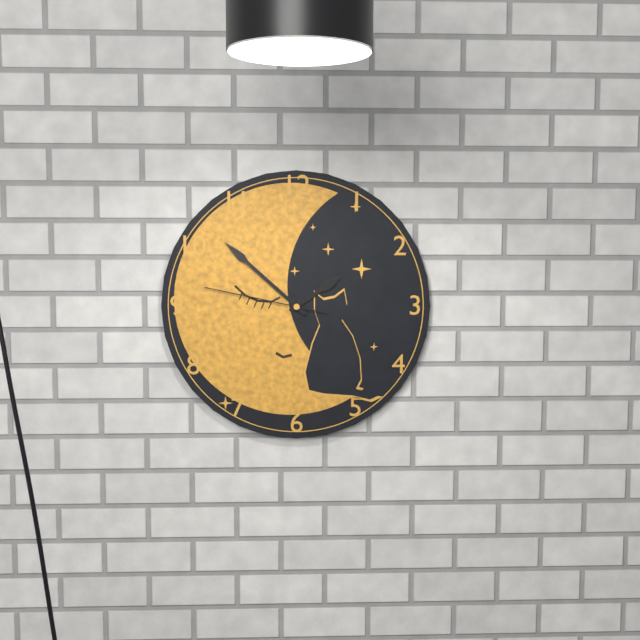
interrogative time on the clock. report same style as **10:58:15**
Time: **1:52:47**
